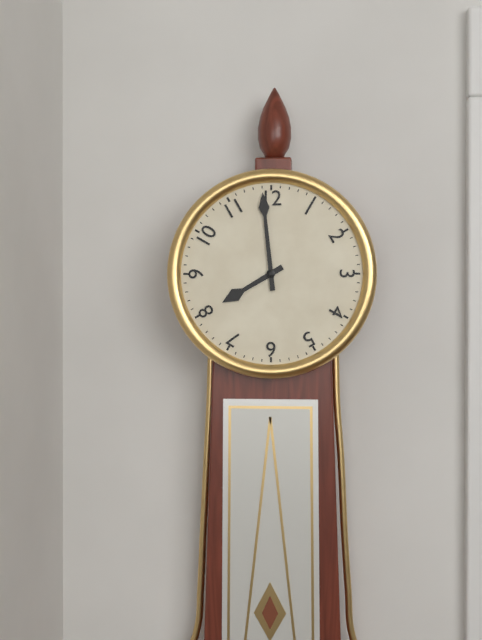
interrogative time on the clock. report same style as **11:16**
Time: **7:59**
